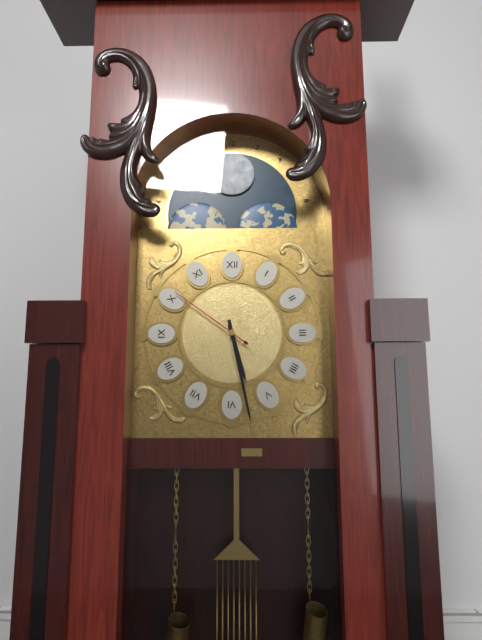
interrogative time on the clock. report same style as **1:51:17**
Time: **5:28:51**
